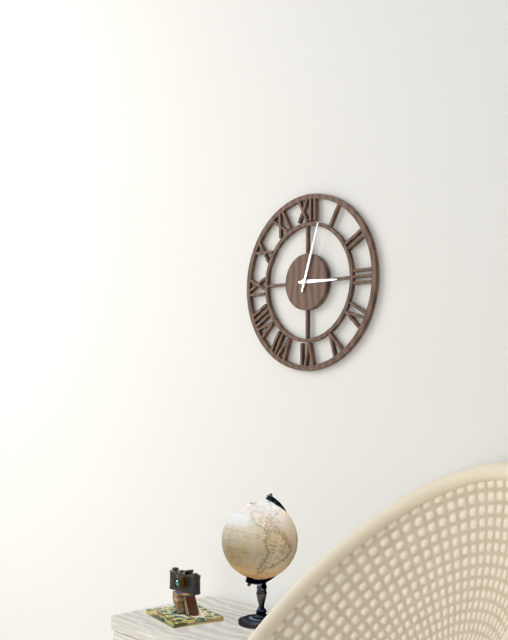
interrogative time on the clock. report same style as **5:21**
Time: **3:03**
